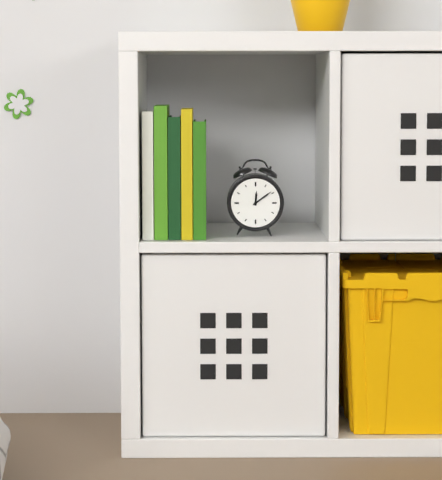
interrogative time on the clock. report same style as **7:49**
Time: **12:09**
